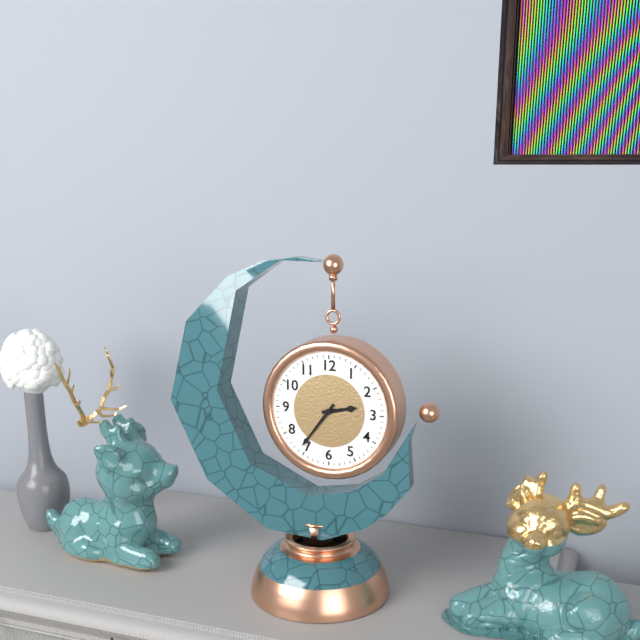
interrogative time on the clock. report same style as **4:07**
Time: **2:36**
